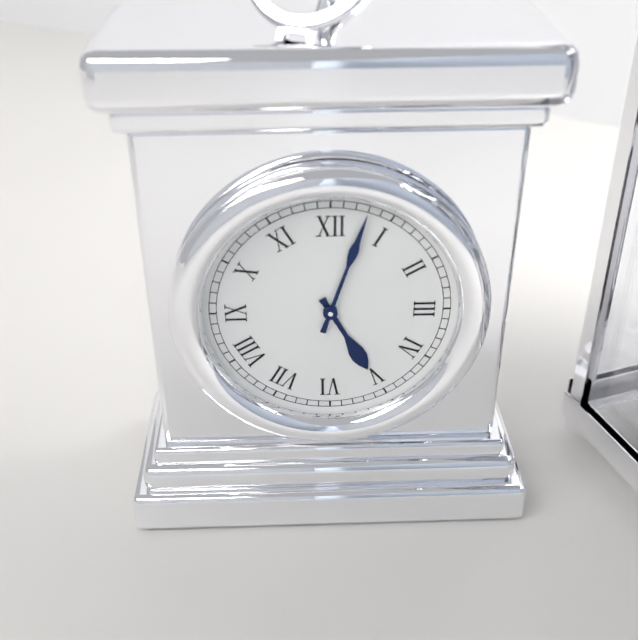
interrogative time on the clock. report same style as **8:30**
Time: **5:03**
